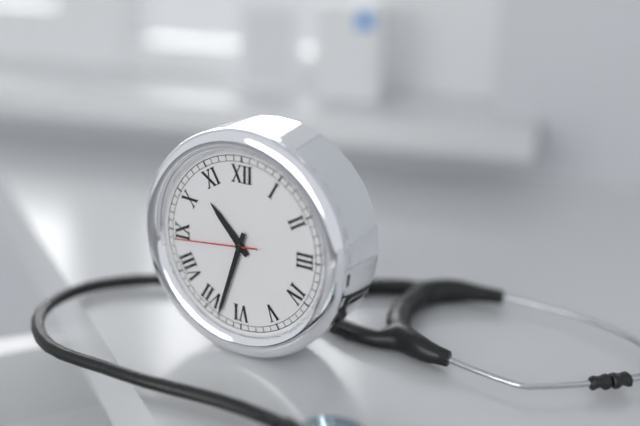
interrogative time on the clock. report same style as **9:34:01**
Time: **10:33:44**
